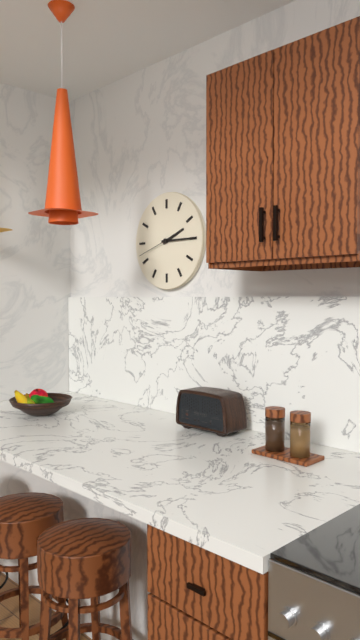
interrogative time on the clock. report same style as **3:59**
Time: **2:15**
